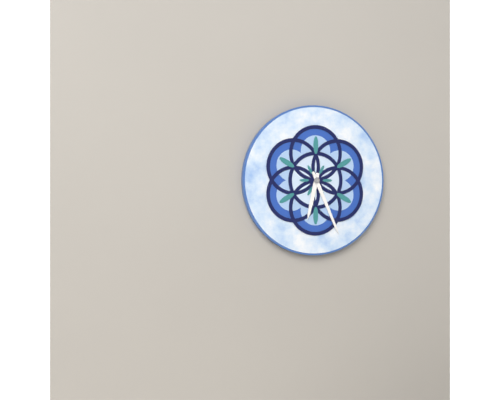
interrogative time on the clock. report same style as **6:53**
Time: **6:26**
